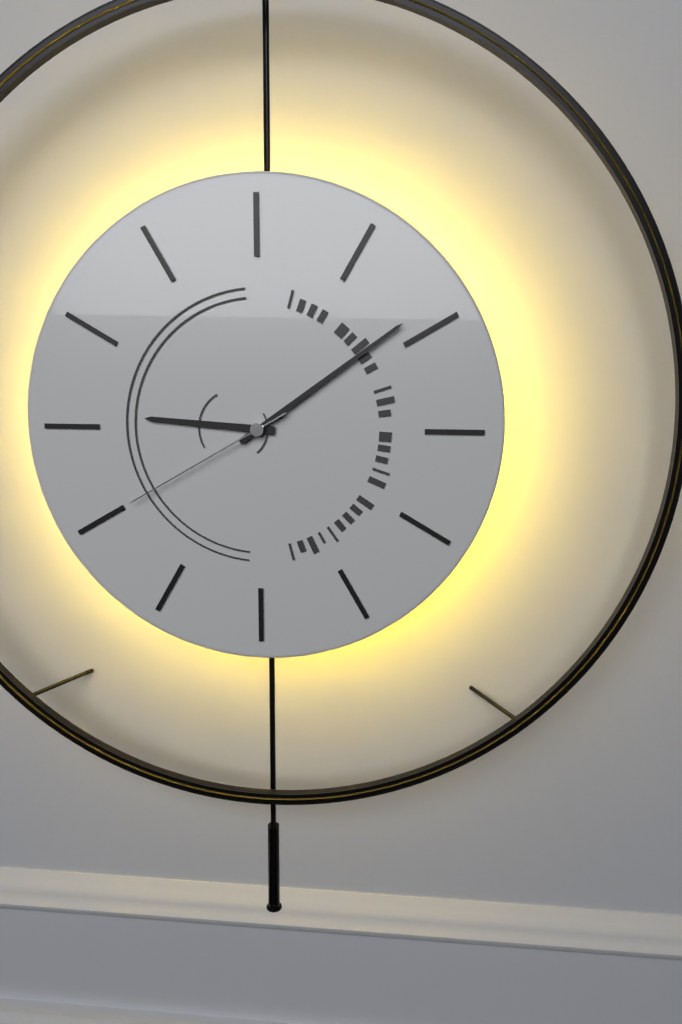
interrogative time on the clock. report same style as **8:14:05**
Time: **9:09:40**
